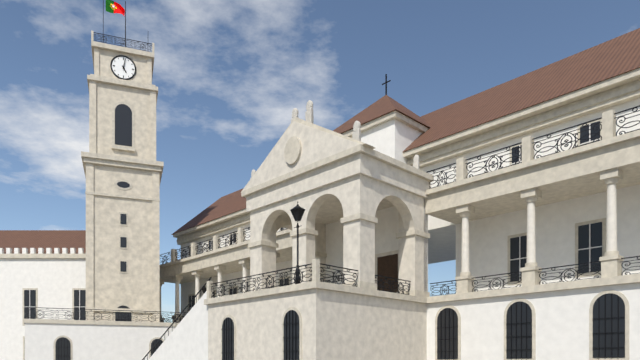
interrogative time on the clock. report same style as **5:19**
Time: **5:02**
